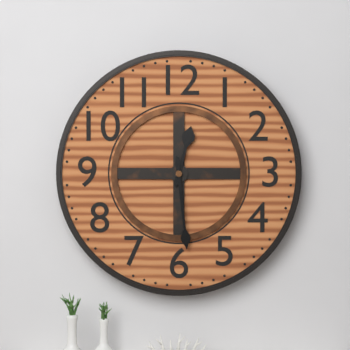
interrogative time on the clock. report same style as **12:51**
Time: **12:29**
